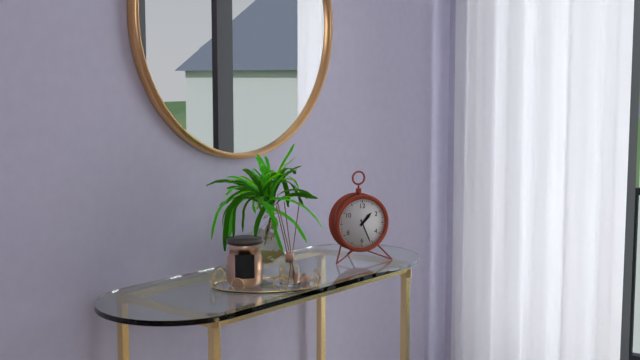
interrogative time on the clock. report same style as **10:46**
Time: **1:26**
